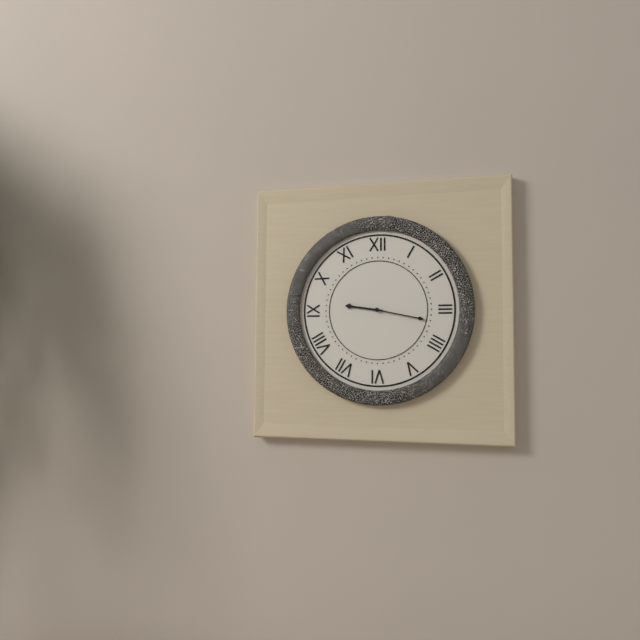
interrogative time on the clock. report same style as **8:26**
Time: **9:17**
